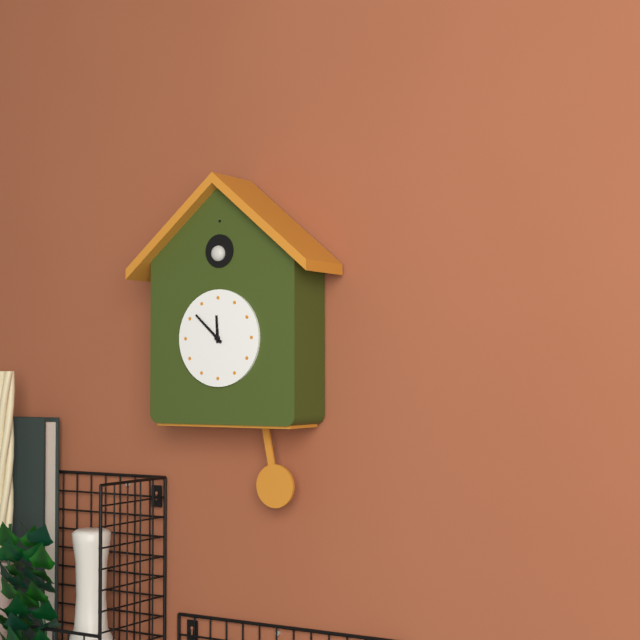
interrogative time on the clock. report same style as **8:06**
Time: **11:52**
